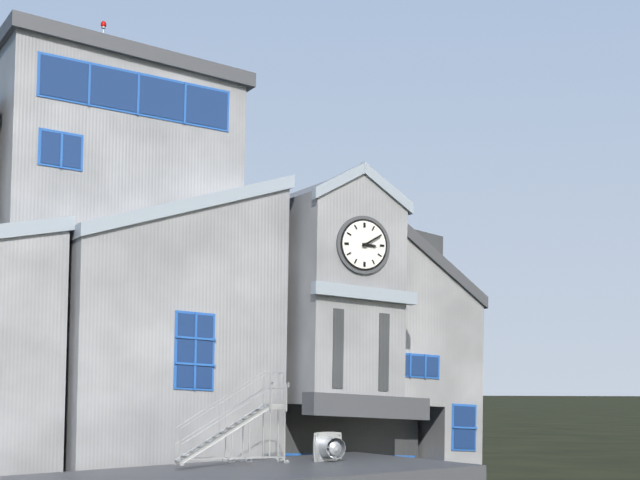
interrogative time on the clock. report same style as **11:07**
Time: **3:10**
